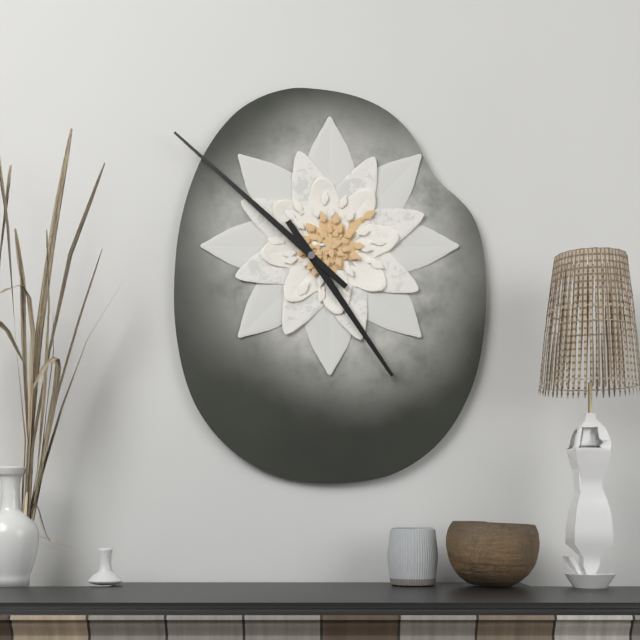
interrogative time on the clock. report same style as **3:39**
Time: **4:52**
